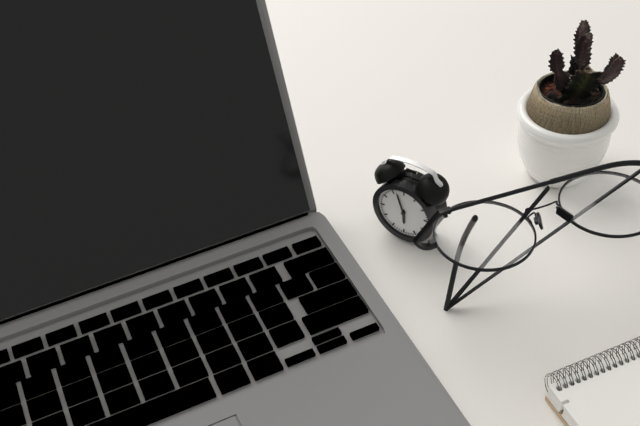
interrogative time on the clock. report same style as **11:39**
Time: **5:57**
